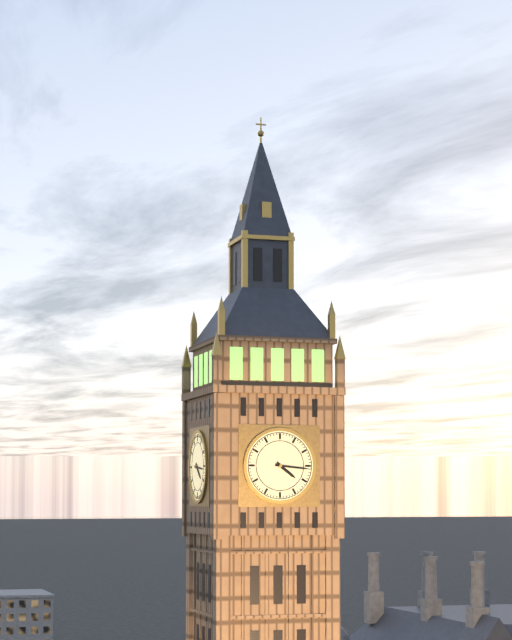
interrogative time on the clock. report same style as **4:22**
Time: **4:16**
